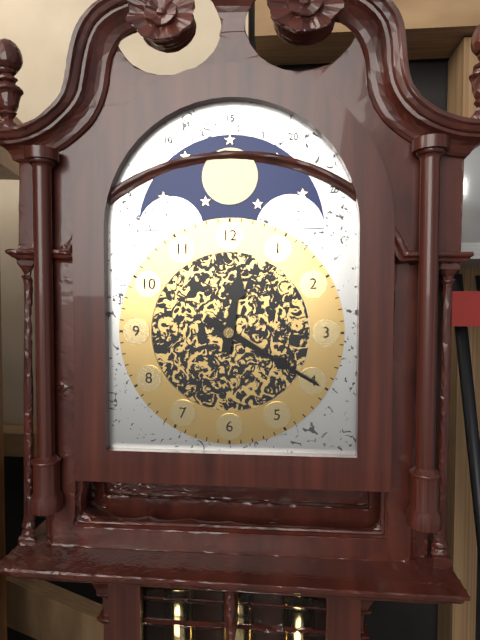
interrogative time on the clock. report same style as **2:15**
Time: **12:20**
